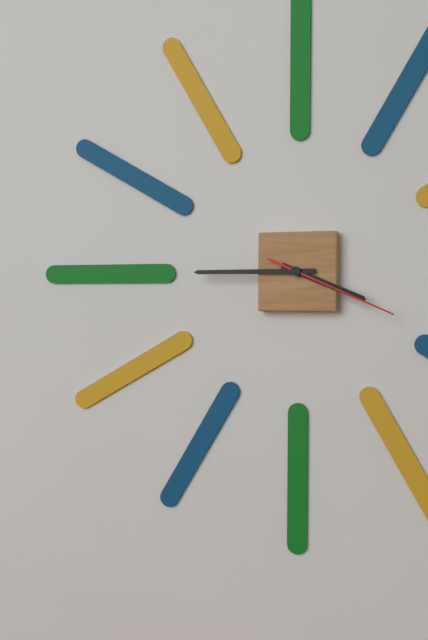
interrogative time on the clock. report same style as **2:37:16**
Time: **3:45:19**
